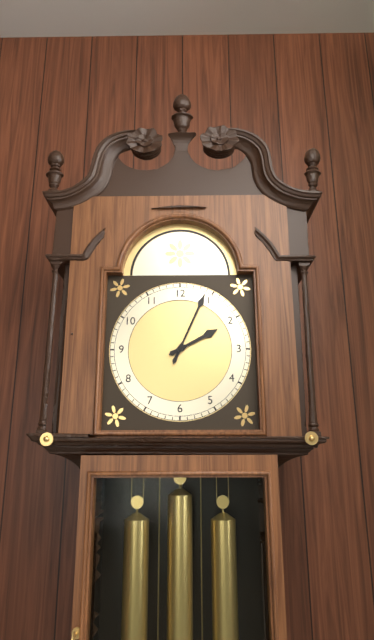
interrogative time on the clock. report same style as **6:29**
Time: **2:04**
